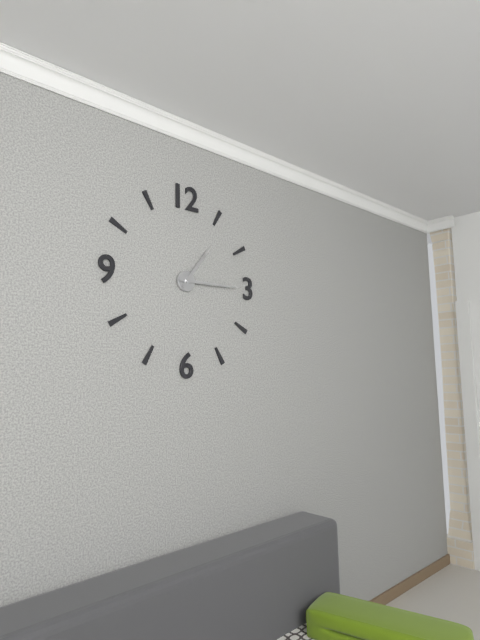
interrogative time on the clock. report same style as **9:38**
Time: **1:15**
